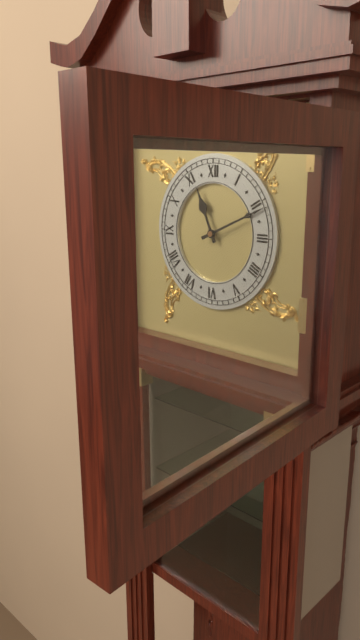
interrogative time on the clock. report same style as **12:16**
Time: **11:11**
